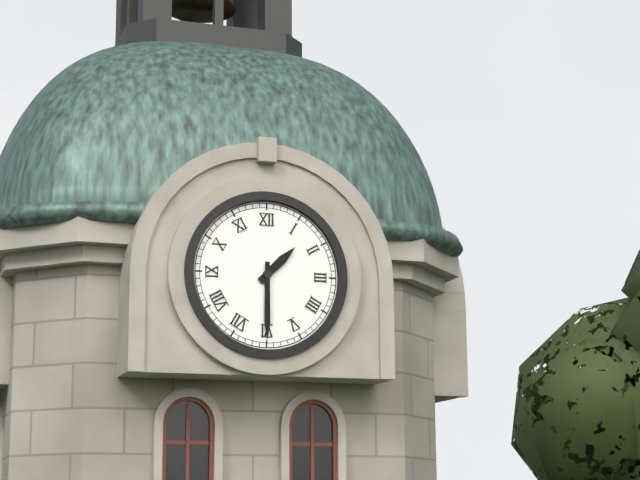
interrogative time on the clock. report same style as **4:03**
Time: **1:30**
